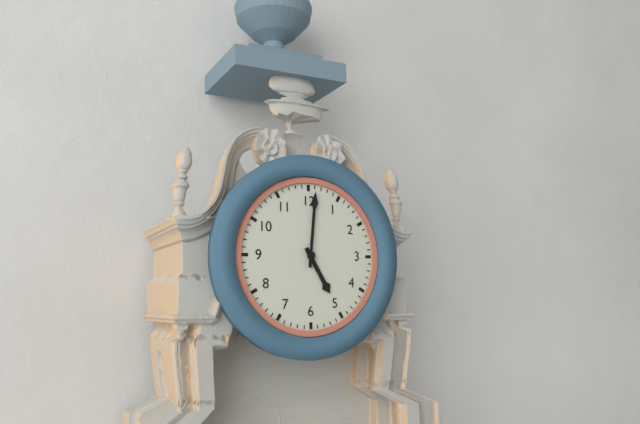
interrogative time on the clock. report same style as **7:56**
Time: **5:01**
